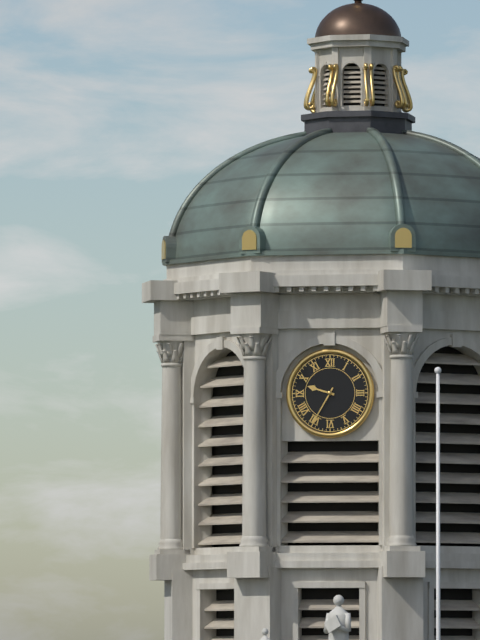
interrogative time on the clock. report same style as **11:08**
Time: **9:35**
